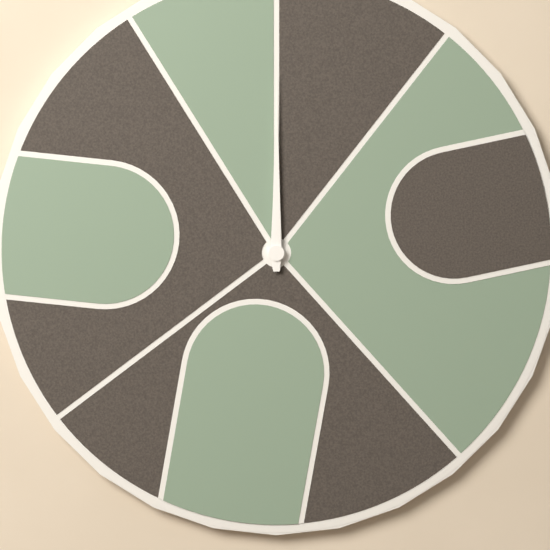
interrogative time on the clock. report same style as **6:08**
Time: **12:00**
